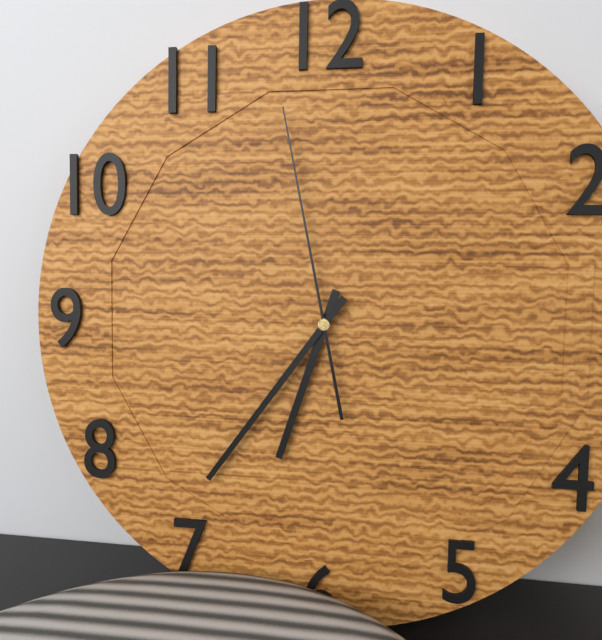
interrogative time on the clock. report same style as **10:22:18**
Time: **6:36:58**
